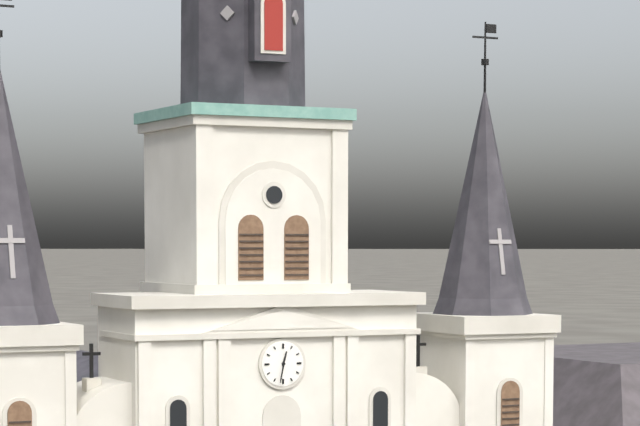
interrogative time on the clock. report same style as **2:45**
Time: **12:32**
